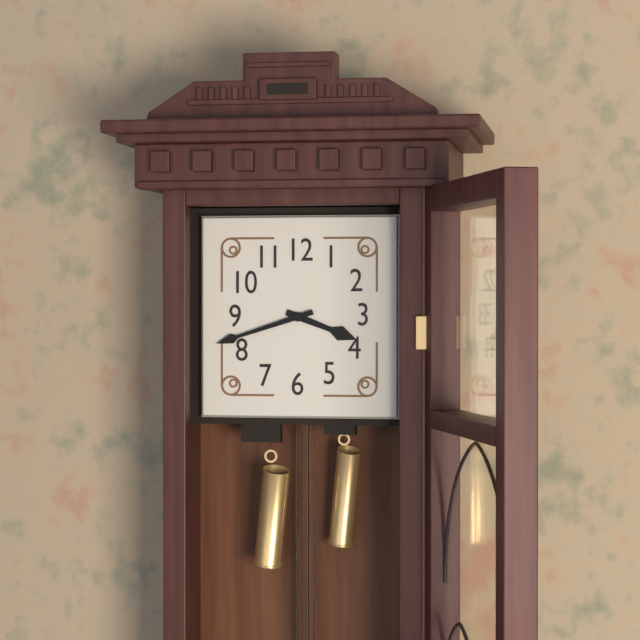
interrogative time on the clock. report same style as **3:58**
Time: **3:42**
